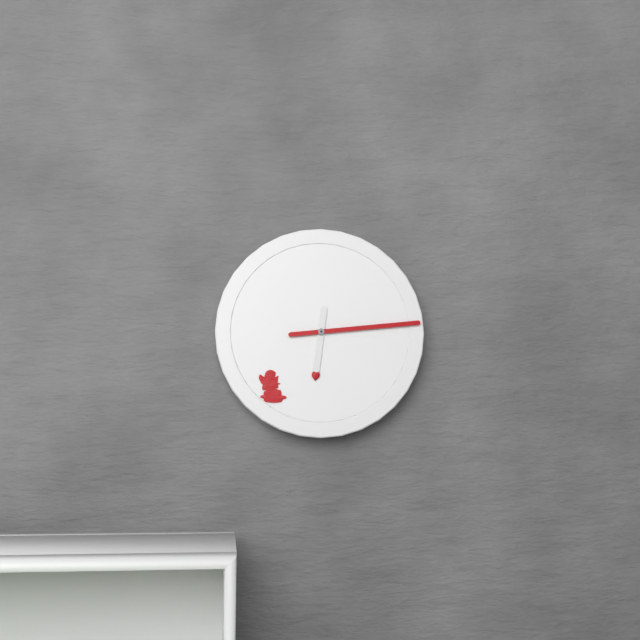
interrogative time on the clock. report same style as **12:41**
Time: **6:14**
